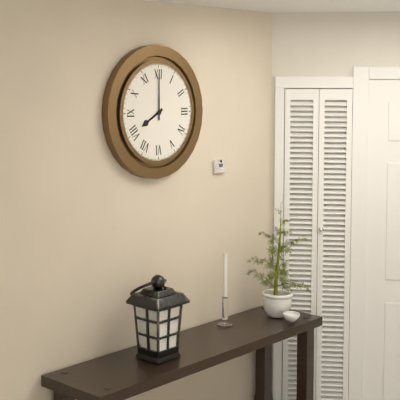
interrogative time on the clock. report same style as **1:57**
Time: **8:00**
